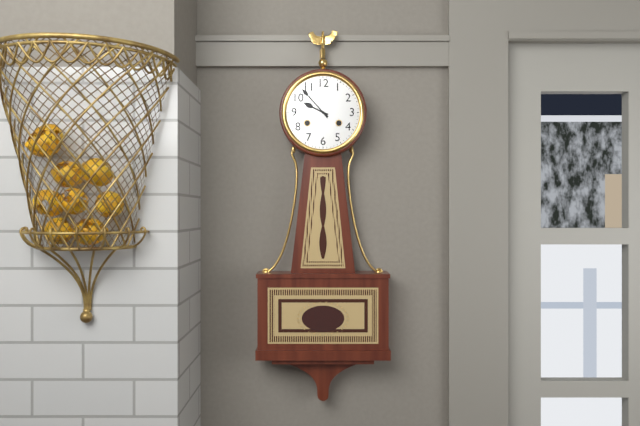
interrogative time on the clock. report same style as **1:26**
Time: **9:53**
